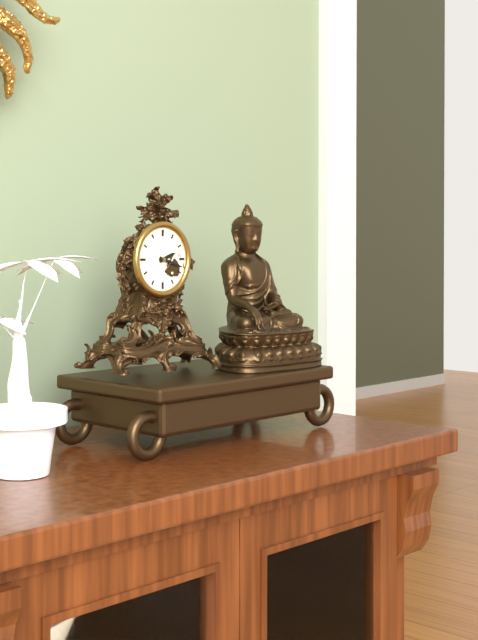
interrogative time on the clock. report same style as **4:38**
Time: **2:18**
